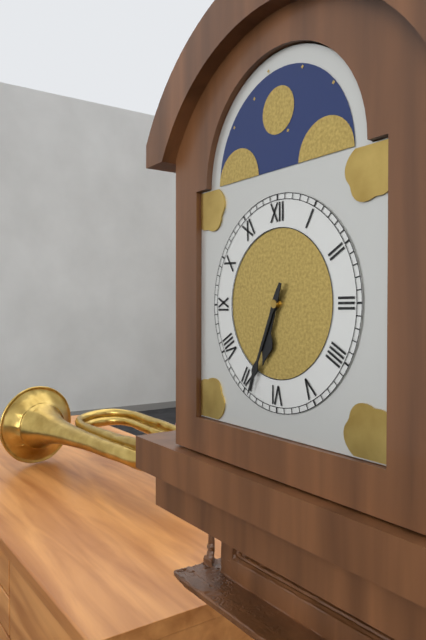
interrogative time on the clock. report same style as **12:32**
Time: **6:34**
